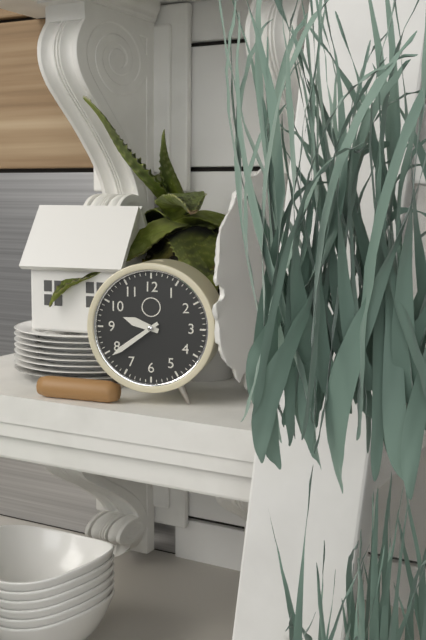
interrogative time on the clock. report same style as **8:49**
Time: **9:39**
